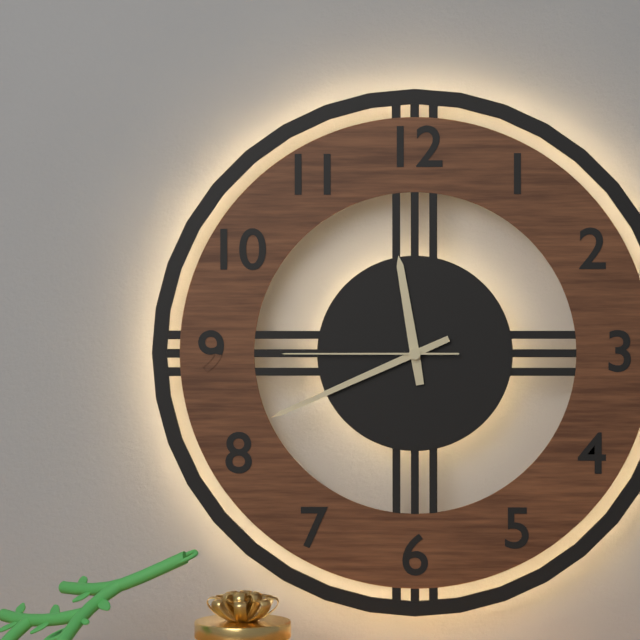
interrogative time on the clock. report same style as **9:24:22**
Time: **11:41:45**
